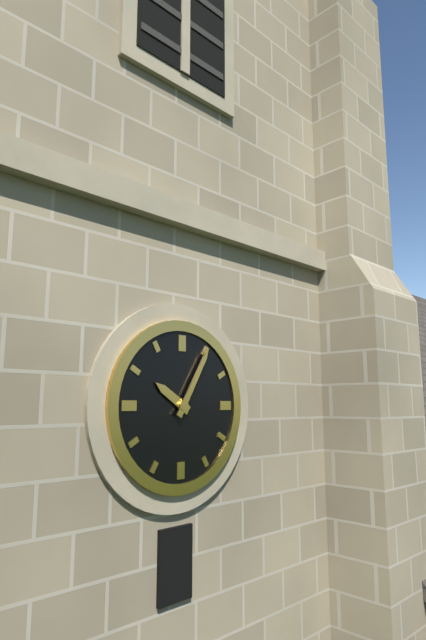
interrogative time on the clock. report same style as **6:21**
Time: **10:05**
